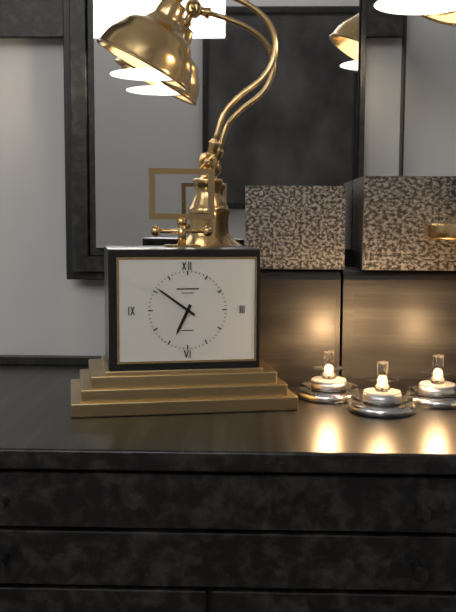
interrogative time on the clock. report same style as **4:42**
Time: **6:51**
